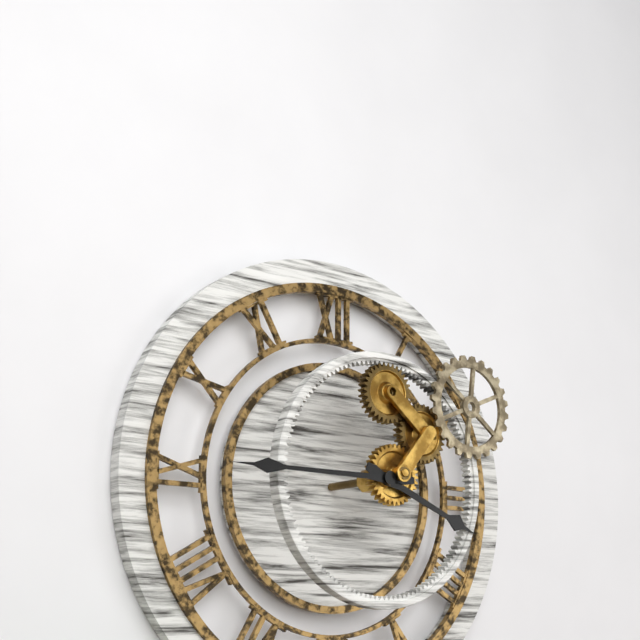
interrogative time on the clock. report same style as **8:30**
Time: **3:45**
